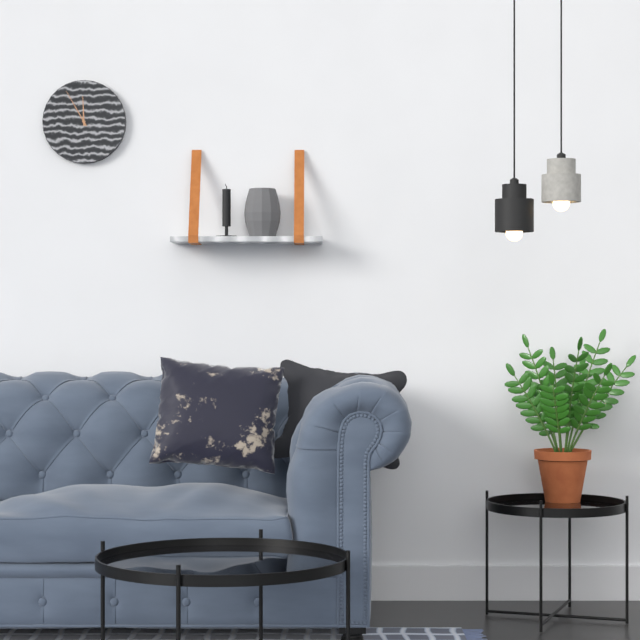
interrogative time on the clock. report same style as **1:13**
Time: **11:55**
